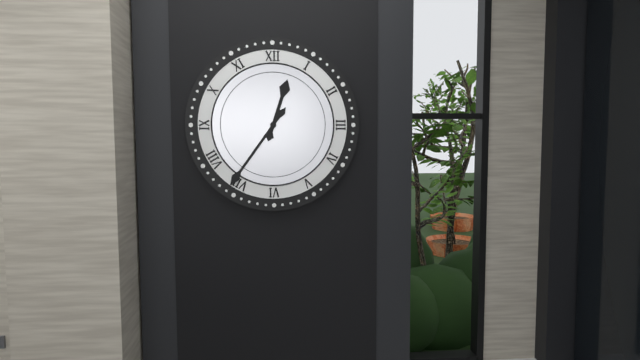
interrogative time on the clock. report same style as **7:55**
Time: **12:36**
